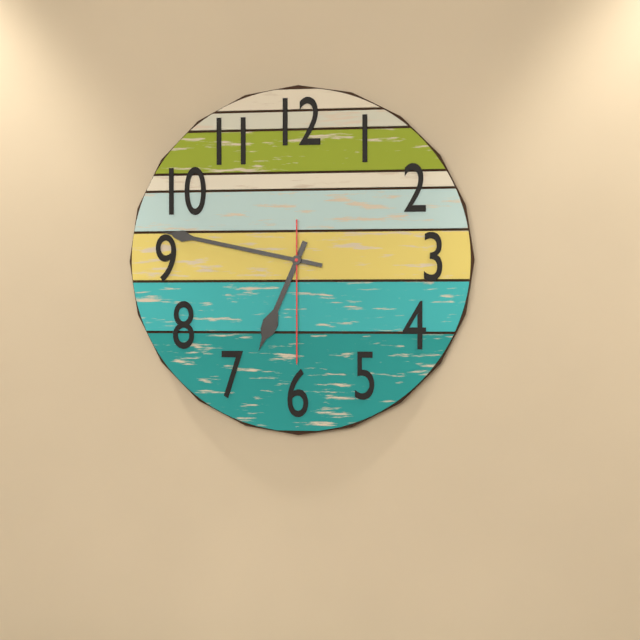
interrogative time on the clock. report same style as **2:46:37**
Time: **6:47:30**
